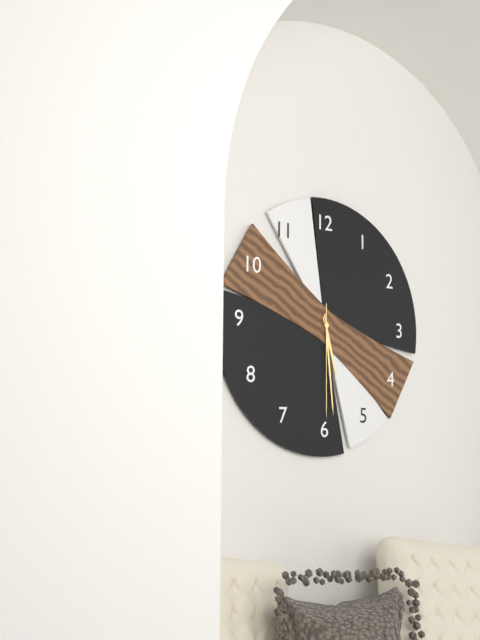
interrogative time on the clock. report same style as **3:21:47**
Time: **5:29:30**
